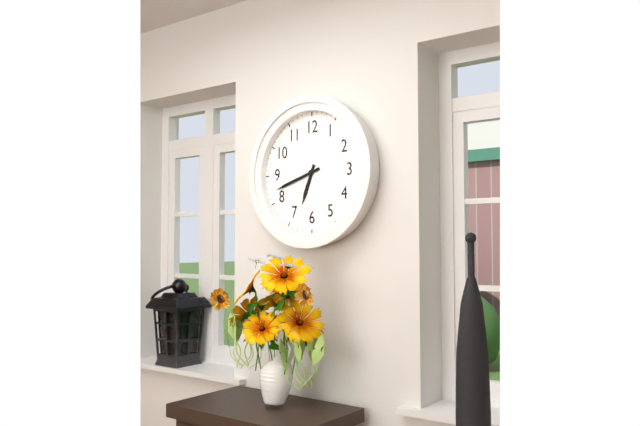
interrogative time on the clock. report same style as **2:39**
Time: **6:42**
